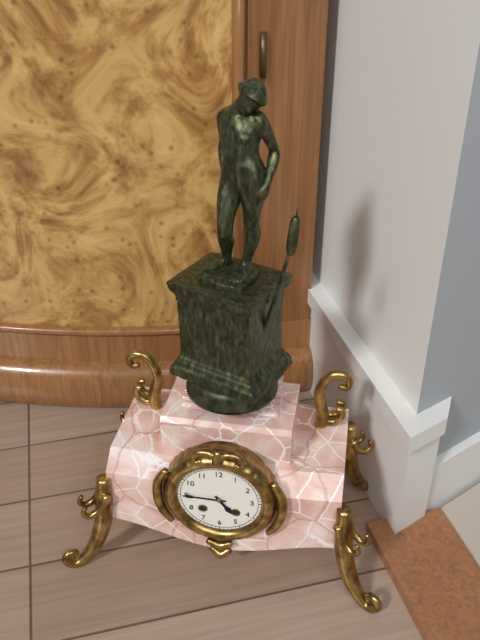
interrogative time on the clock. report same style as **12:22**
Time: **4:45**
